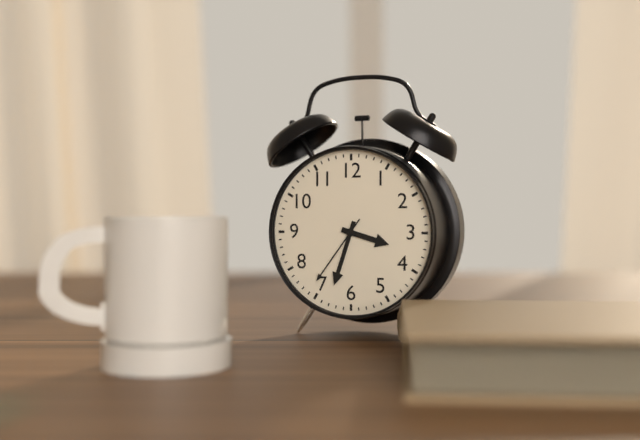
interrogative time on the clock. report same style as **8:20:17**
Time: **3:33:36**
